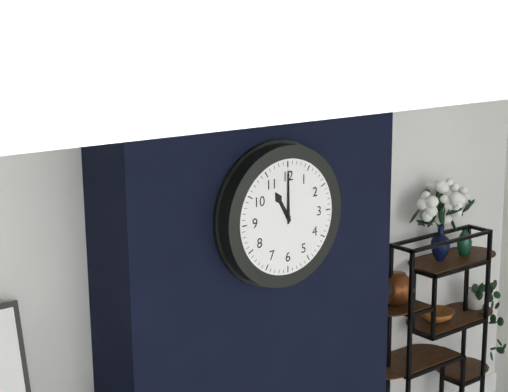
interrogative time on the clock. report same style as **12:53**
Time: **11:00**
